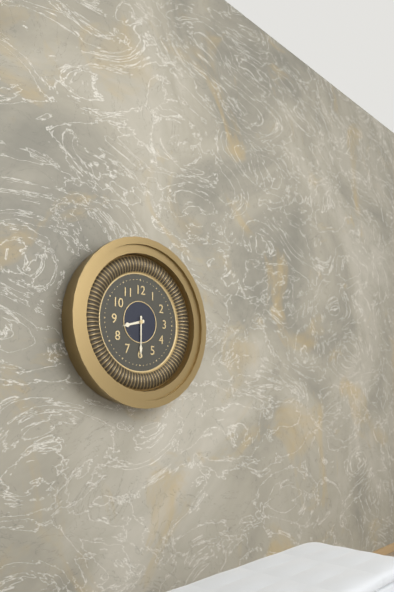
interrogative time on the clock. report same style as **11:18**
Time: **8:30**
